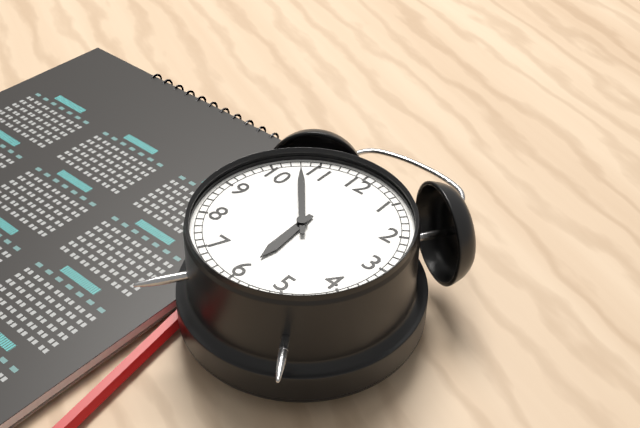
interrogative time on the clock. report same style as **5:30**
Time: **5:53**
